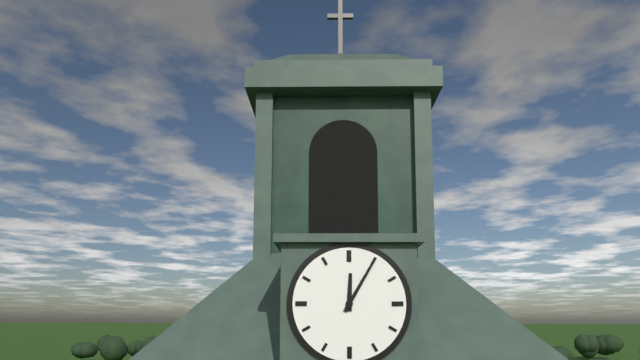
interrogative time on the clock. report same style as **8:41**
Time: **12:05**
